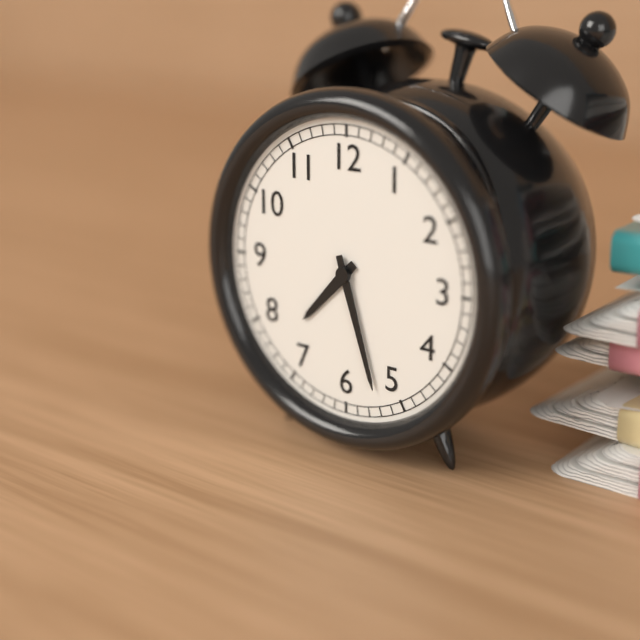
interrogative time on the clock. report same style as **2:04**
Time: **7:27**
